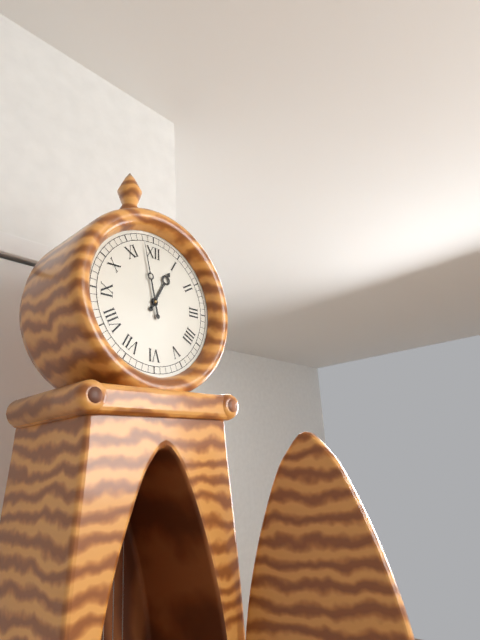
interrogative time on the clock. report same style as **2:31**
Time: **12:58**
